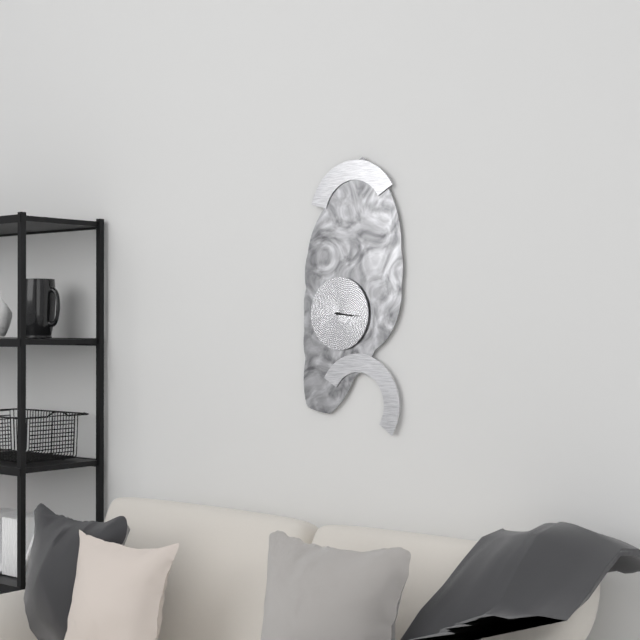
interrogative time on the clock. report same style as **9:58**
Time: **3:16**
